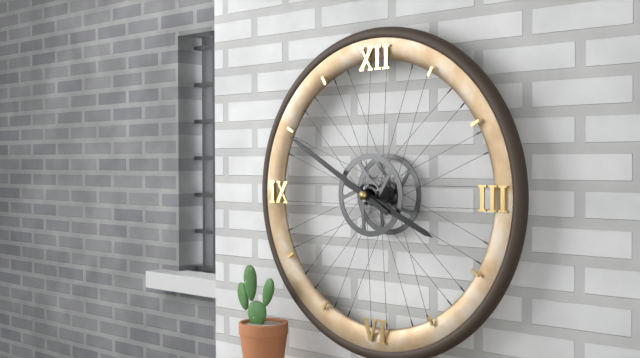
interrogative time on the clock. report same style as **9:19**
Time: **3:50**
